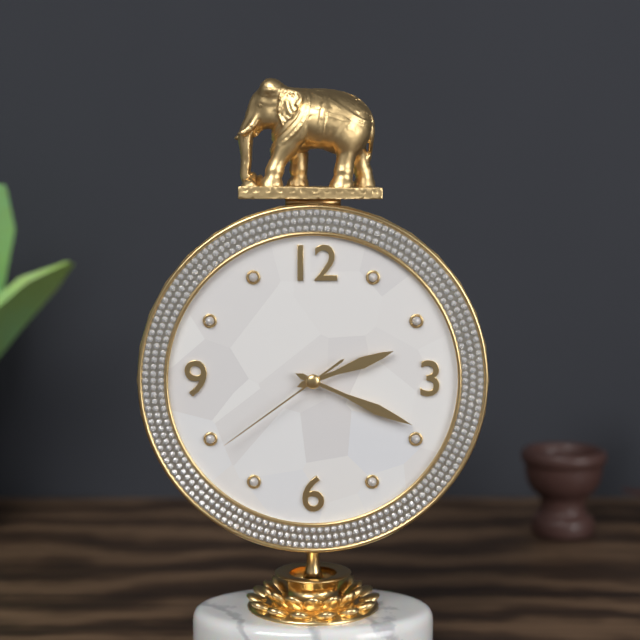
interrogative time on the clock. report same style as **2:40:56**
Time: **2:19:39**
